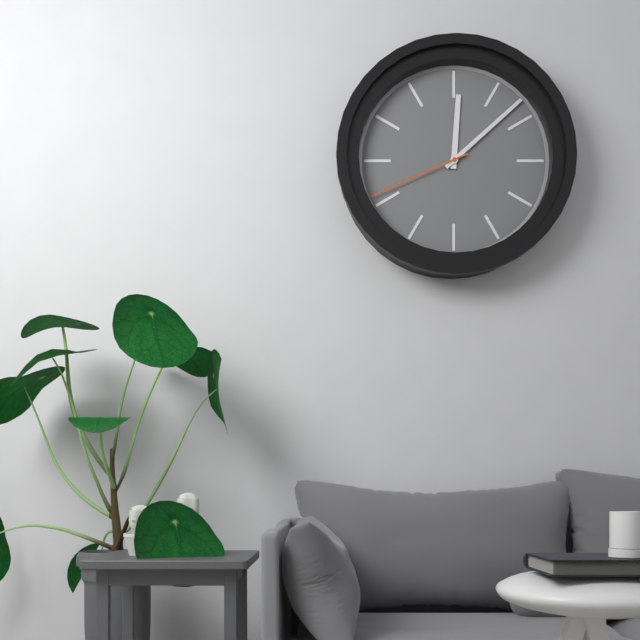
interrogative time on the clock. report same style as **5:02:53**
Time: **12:08:41**
